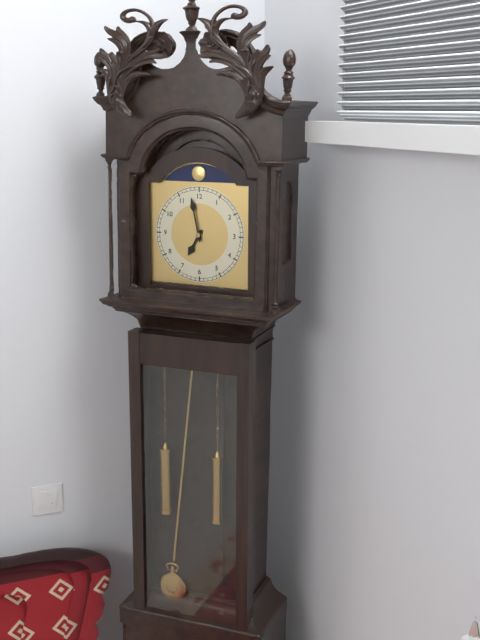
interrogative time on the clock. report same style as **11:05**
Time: **6:58**
